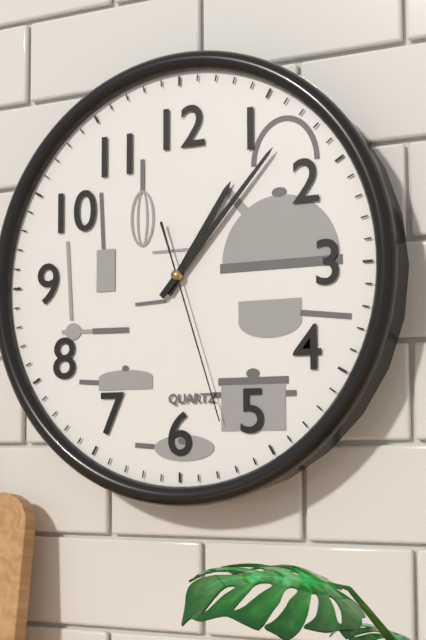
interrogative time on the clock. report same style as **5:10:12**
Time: **1:07:27**
